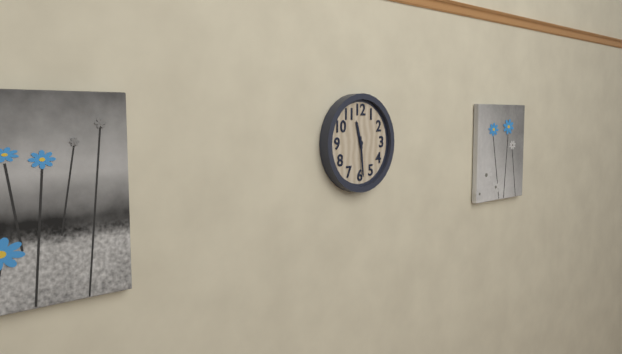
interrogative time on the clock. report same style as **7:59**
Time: **11:29**
